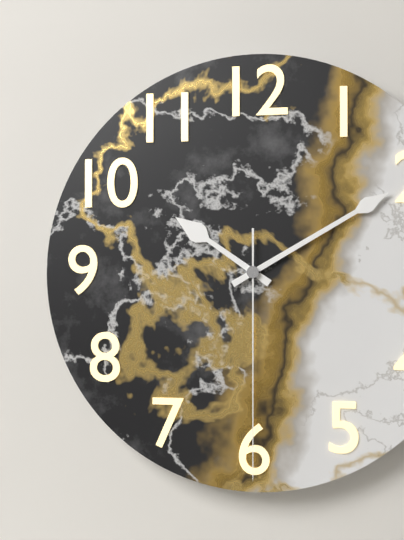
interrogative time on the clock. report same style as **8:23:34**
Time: **10:10:30**
